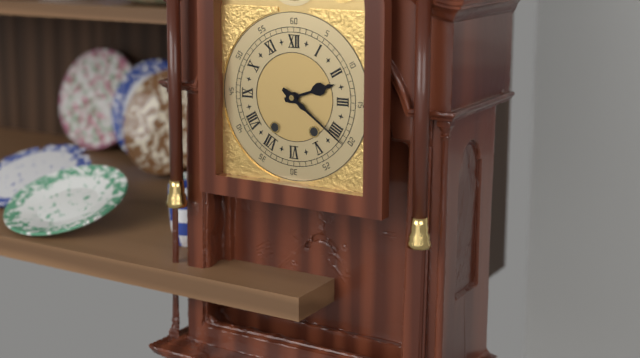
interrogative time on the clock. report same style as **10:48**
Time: **2:21**
